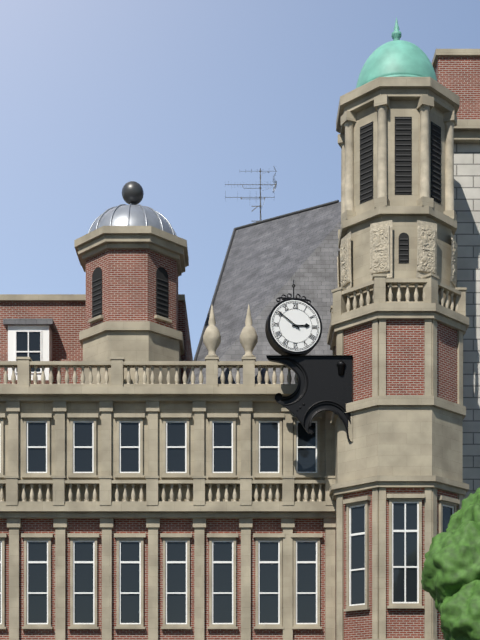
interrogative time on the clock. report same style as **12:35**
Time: **2:51**
